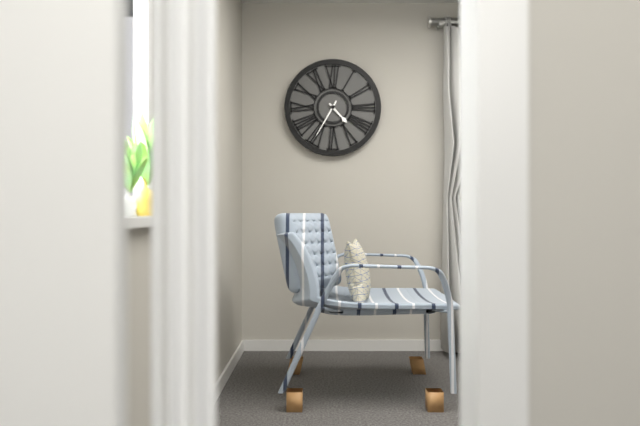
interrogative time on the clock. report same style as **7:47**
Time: **4:35**
